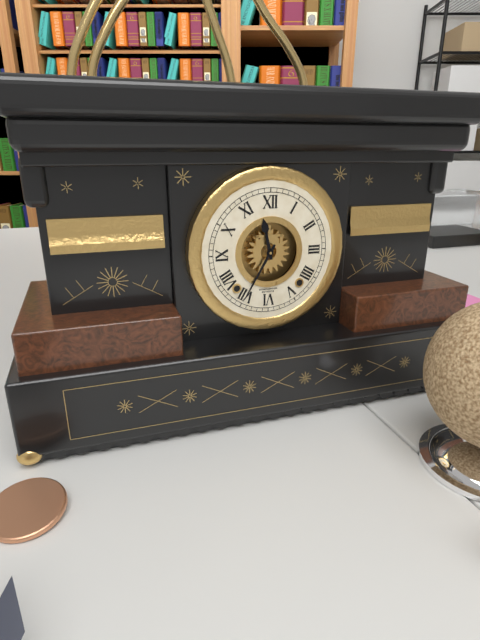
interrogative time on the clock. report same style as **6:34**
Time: **11:35**
